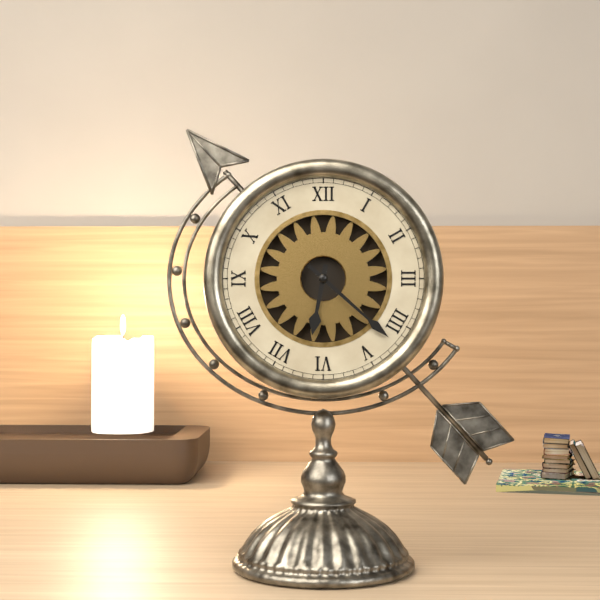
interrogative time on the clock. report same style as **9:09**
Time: **6:22**
